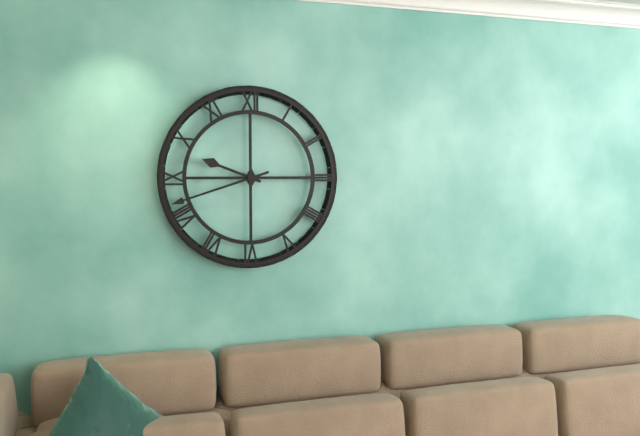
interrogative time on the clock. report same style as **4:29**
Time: **9:42**
